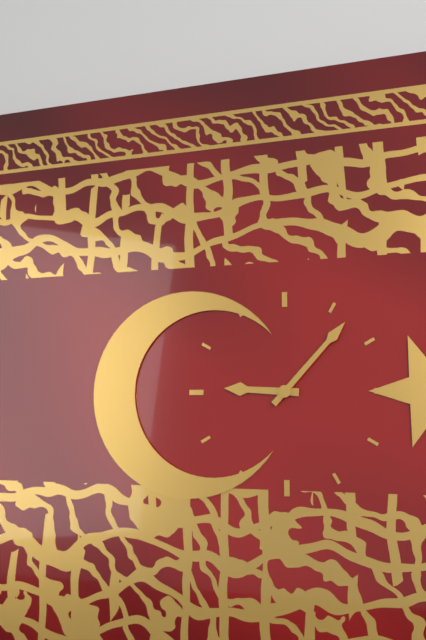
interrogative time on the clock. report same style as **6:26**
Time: **9:07**
